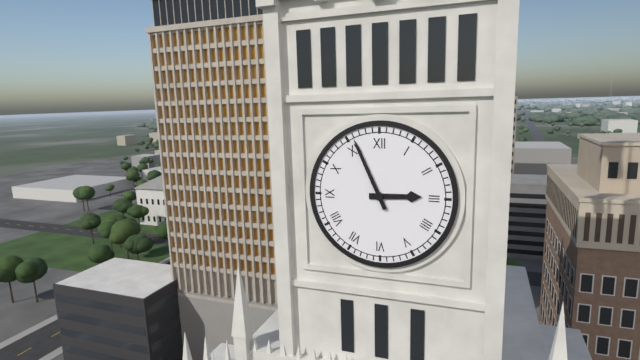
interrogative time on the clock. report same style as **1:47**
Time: **2:56**
